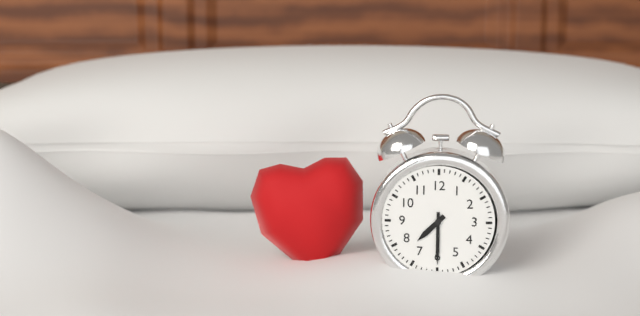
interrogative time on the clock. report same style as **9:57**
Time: **7:30**
